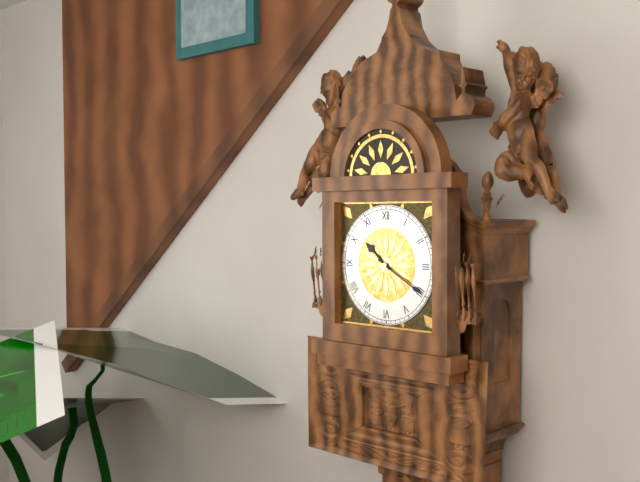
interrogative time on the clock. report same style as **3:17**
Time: **10:20**
